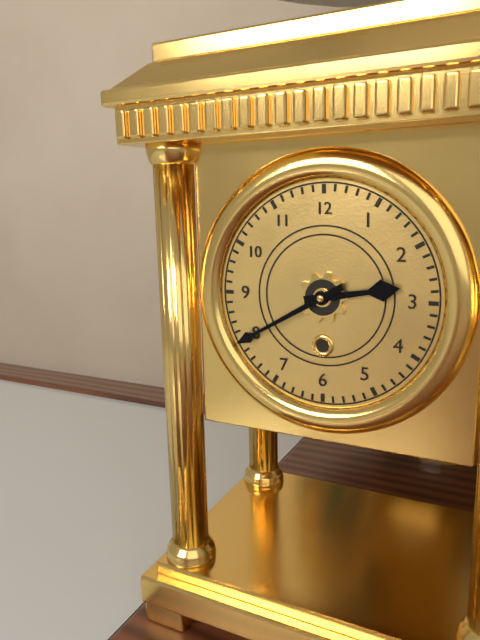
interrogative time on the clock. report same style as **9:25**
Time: **2:40**
